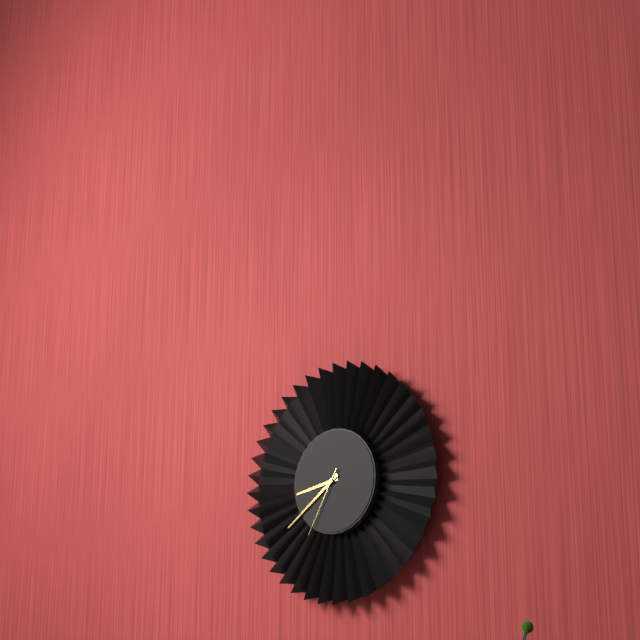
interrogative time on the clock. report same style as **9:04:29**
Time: **8:39:35**
